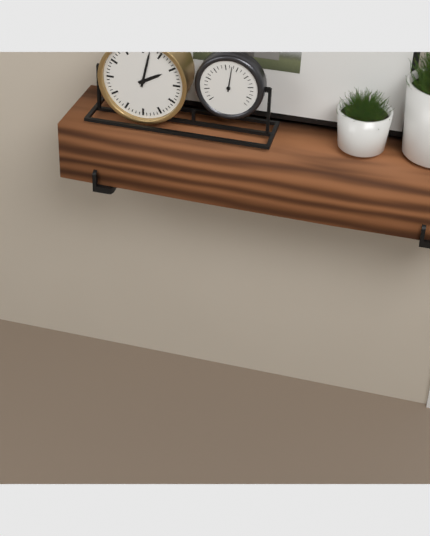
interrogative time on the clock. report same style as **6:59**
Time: **2:02**
